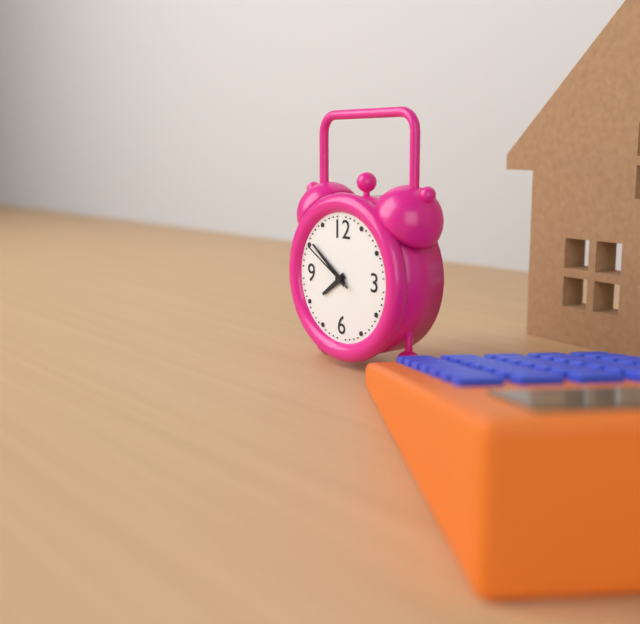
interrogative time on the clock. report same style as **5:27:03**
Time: **7:51:50**
